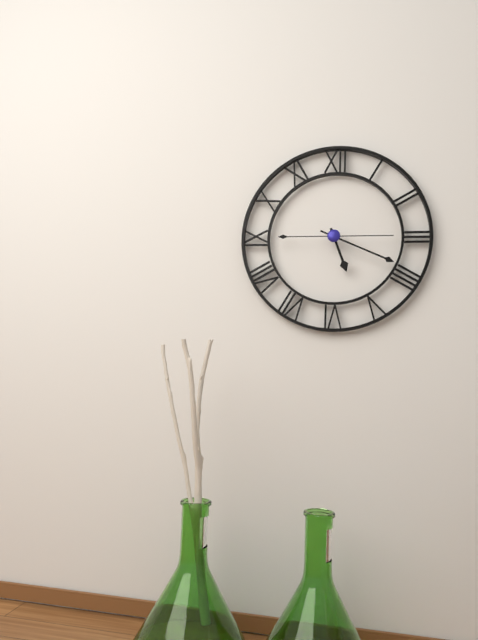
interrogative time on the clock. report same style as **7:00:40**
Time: **5:19:15**
